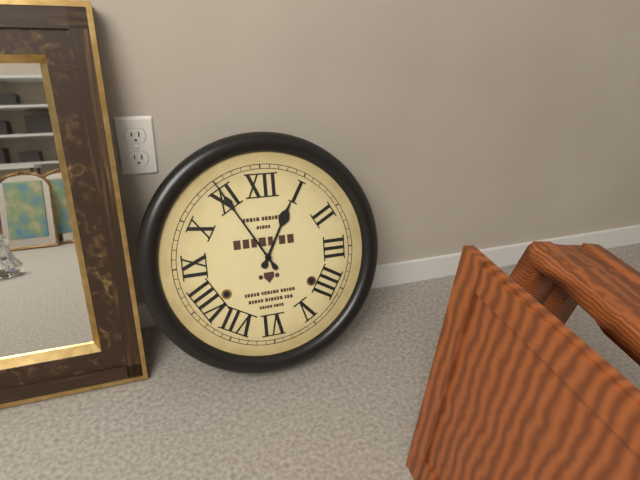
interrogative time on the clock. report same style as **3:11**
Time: **12:55**
